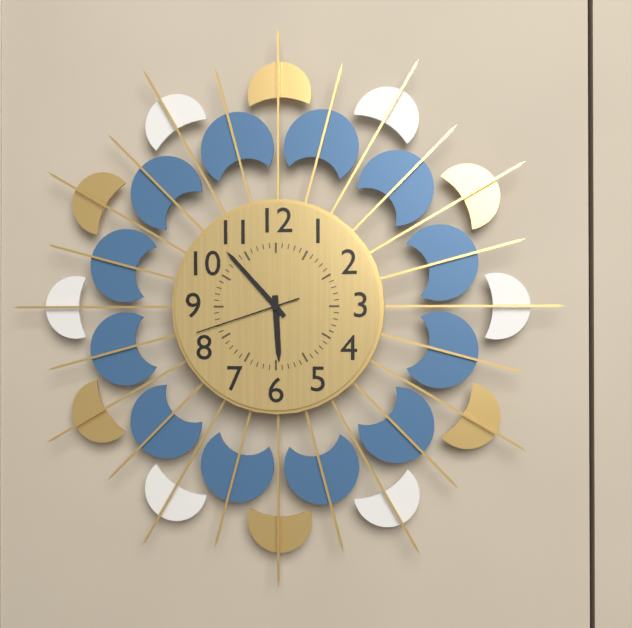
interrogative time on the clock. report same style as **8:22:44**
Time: **5:53:42**
